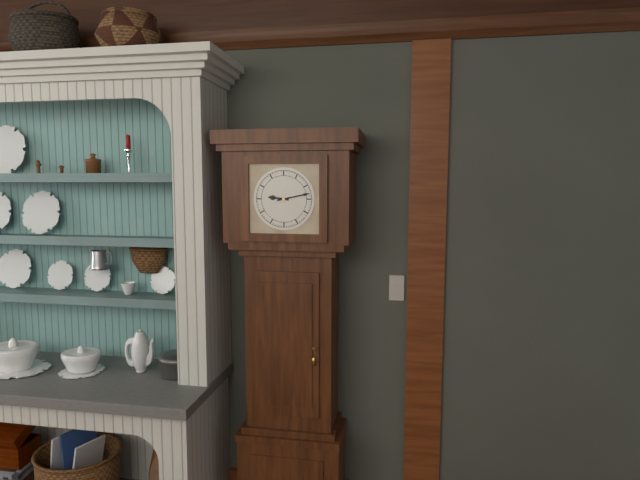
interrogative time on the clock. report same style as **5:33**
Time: **9:13**
